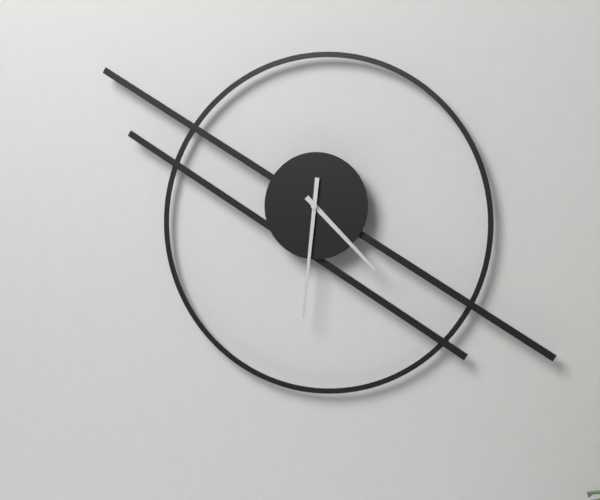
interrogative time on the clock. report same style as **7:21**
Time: **4:31**
